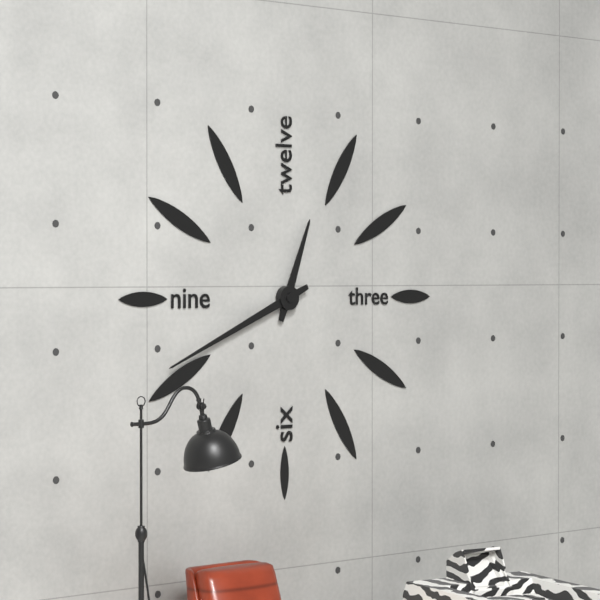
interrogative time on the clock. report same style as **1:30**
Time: **12:41**
